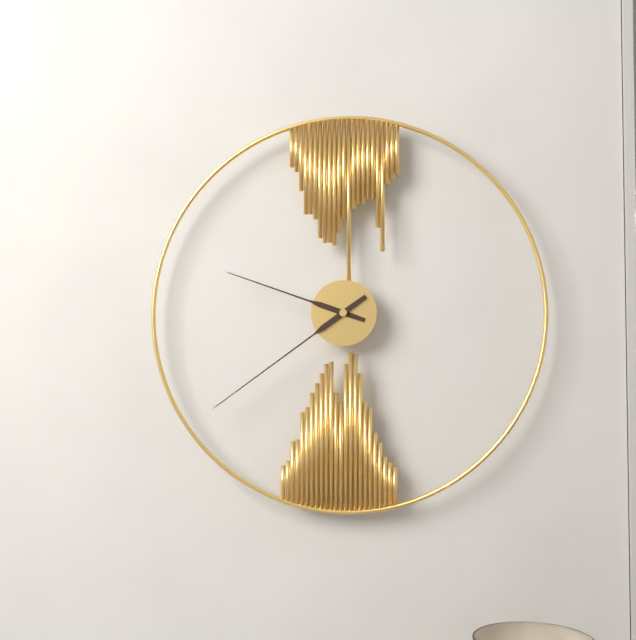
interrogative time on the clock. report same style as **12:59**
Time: **9:39**
